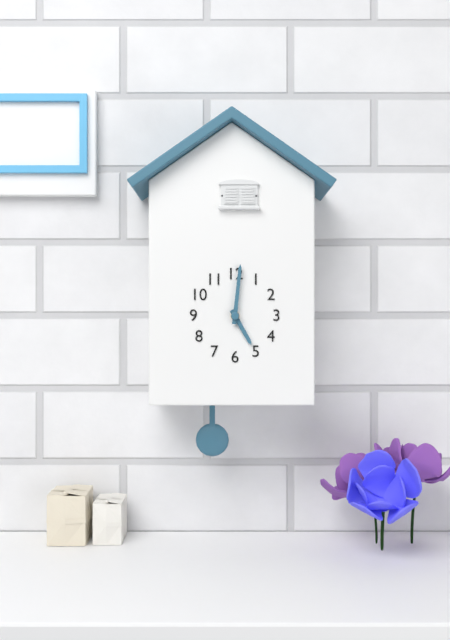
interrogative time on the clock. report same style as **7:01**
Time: **5:01**
